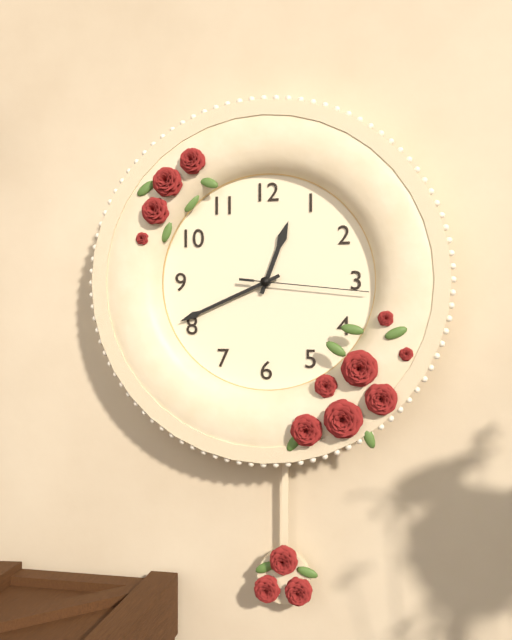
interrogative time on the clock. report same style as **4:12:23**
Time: **12:41:16**
